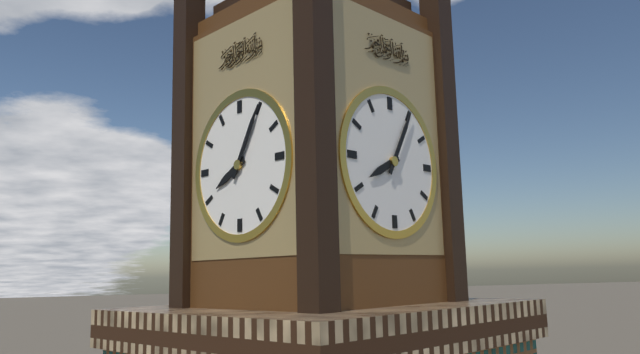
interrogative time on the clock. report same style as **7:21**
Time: **8:05**
